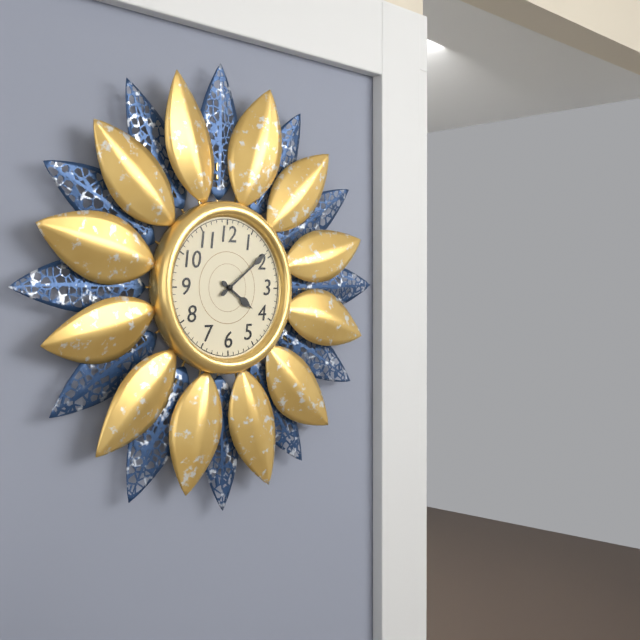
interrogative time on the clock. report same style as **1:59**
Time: **4:09**
